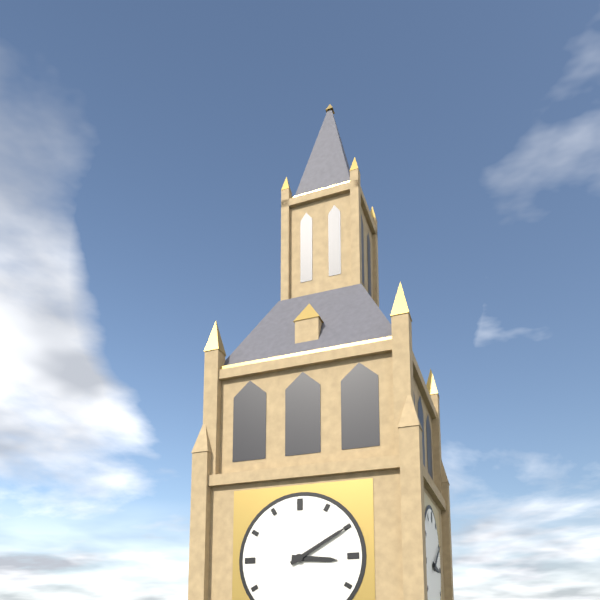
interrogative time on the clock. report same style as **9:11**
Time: **3:10**
